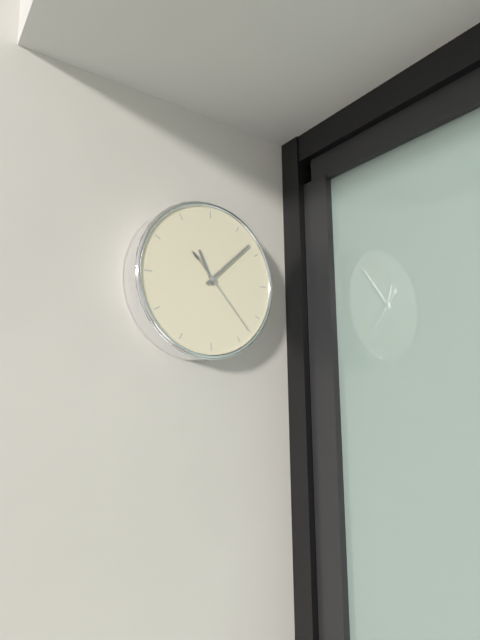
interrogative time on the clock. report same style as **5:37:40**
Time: **11:08:23**
